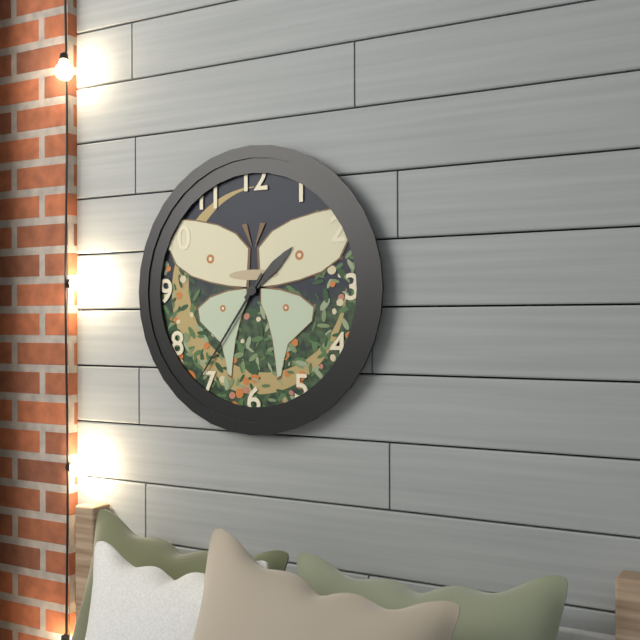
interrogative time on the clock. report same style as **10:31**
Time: **1:36**
